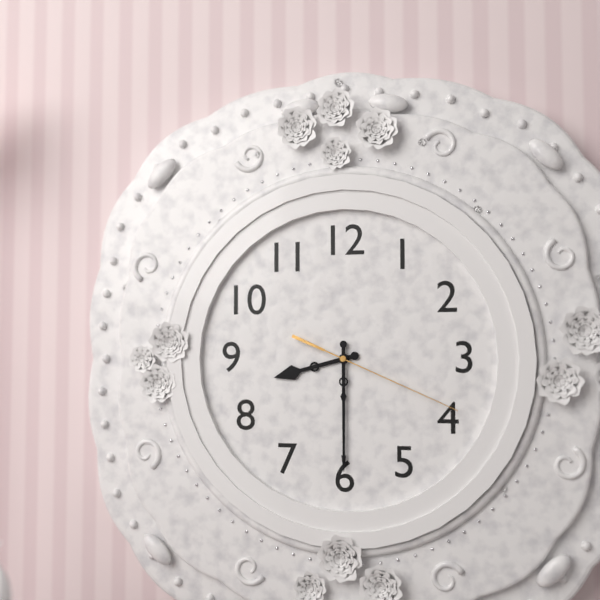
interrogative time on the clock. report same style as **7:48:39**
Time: **8:30:19**
